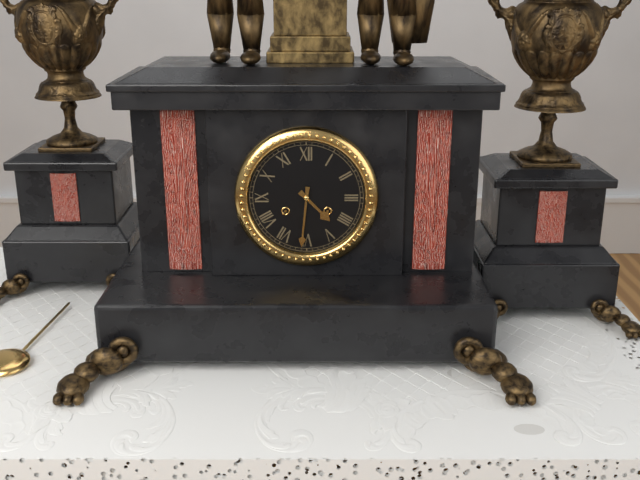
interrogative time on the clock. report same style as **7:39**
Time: **4:31**
